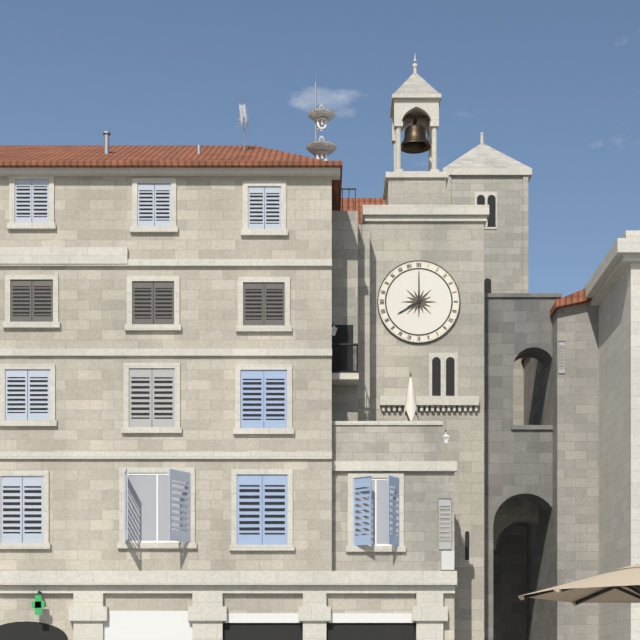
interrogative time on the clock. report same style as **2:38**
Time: **8:00**
